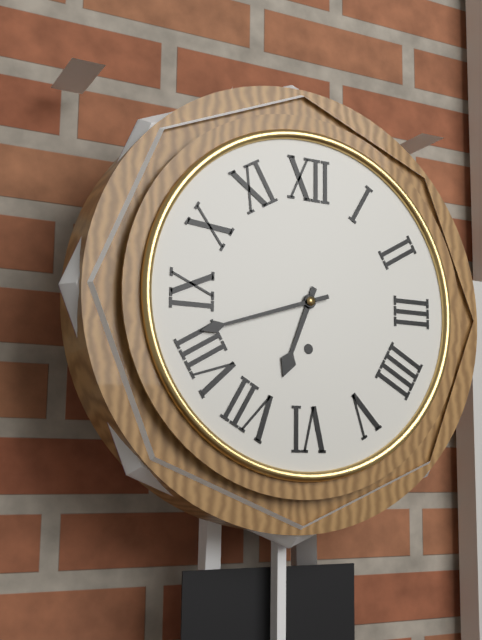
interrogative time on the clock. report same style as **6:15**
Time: **6:42**
